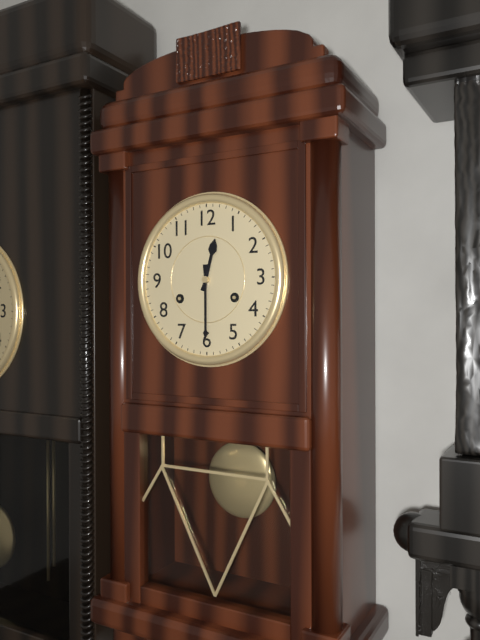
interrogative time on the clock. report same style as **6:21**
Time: **12:30**
